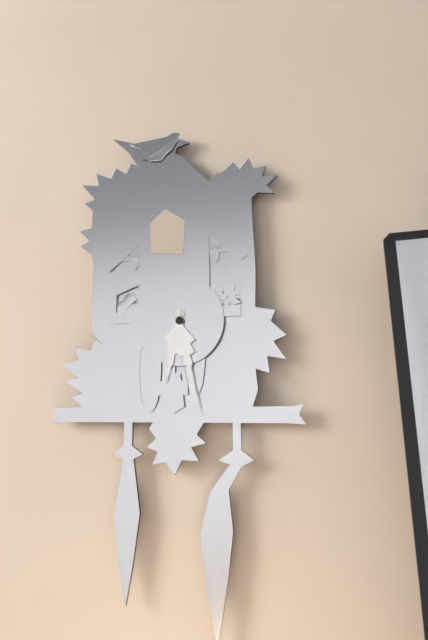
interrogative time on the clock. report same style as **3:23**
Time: **6:28**
